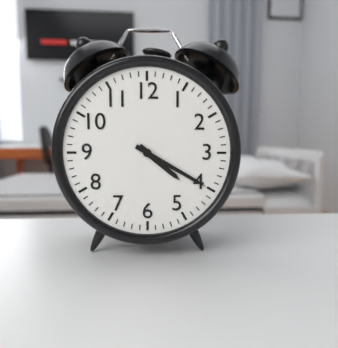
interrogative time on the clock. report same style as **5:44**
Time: **4:20**
